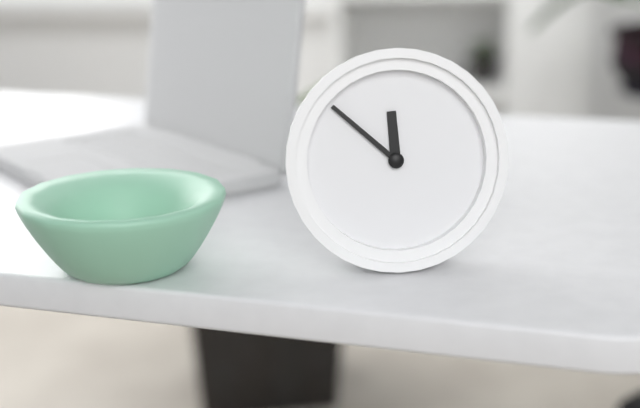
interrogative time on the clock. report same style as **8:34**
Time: **11:52**
